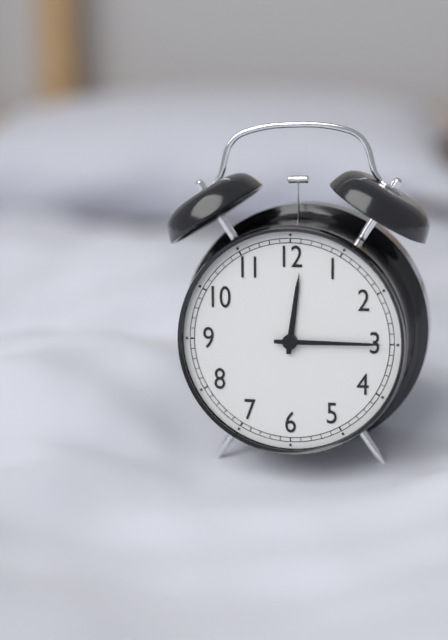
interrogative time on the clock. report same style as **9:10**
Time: **12:15**
